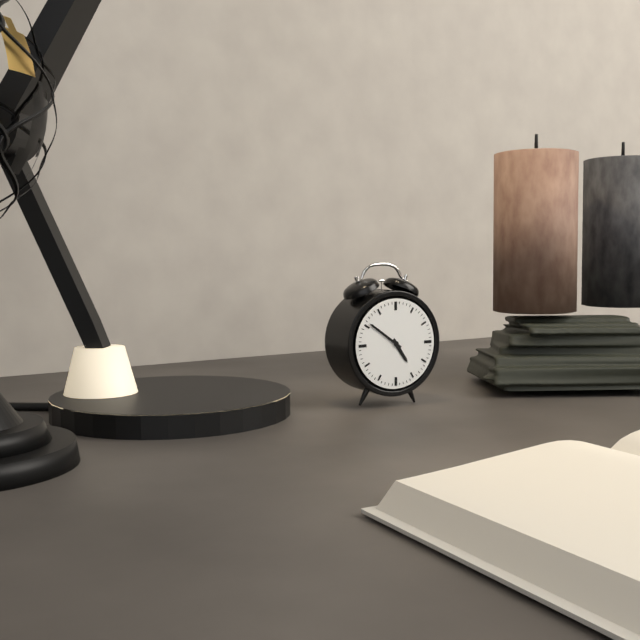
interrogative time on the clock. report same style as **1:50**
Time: **4:51**
